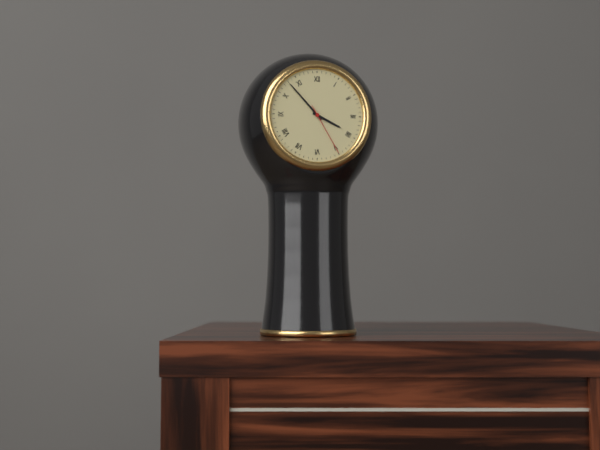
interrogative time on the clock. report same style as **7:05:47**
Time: **3:53:25**
